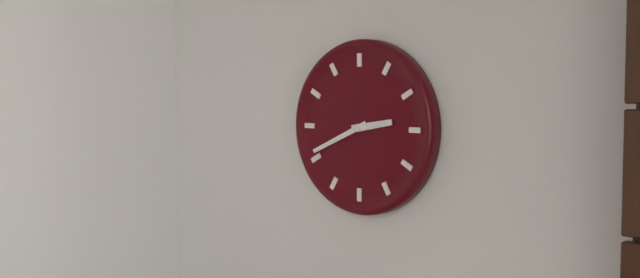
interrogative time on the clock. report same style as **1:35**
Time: **2:41**
